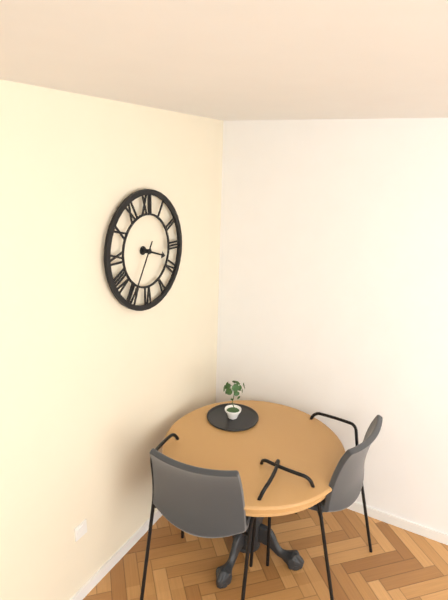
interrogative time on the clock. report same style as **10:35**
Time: **3:35**
